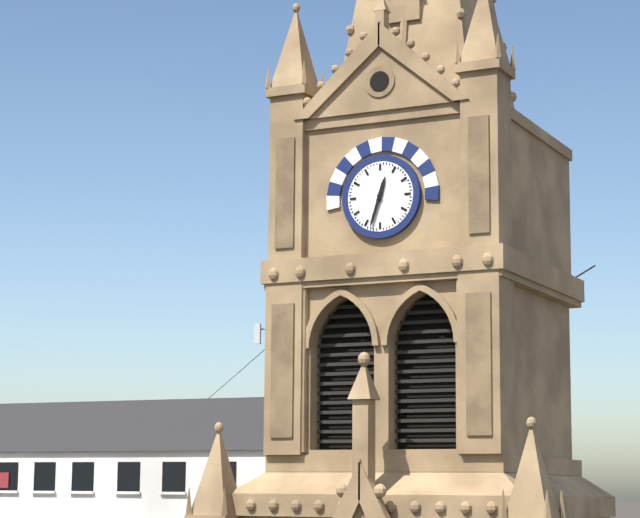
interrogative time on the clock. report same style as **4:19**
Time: **12:33**
